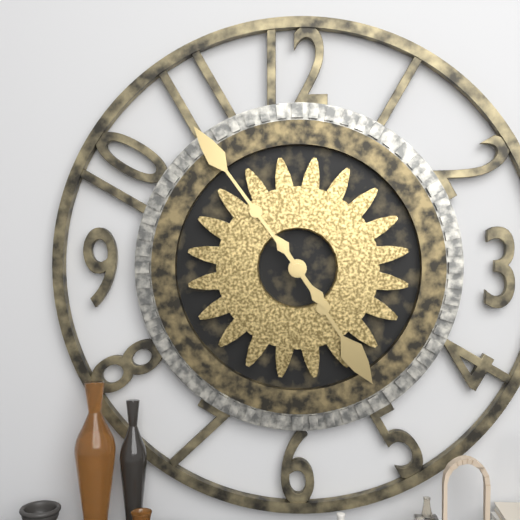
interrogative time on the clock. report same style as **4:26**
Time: **4:54**
